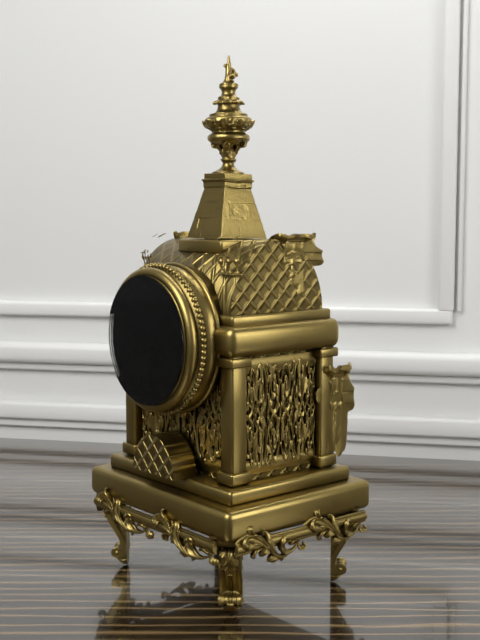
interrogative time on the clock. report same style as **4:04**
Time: **8:25**
